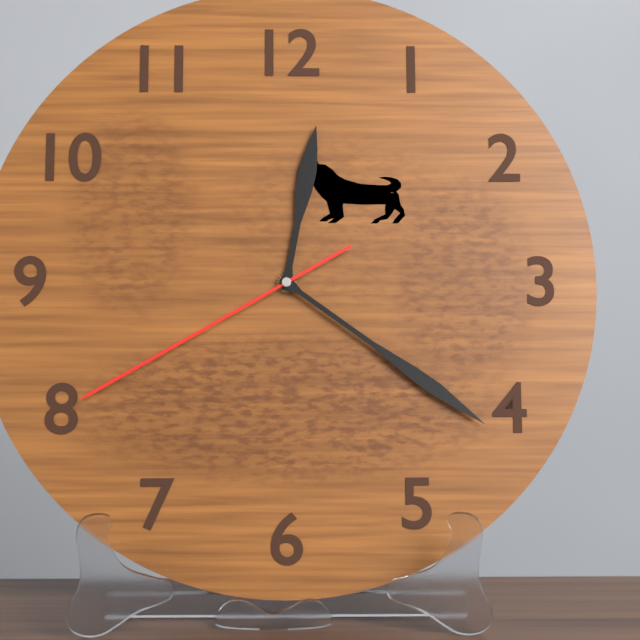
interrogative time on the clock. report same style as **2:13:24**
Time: **12:21:40**
